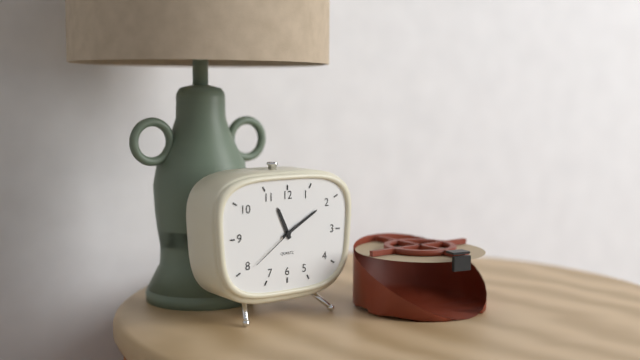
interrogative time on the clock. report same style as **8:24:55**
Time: **11:10:39**
